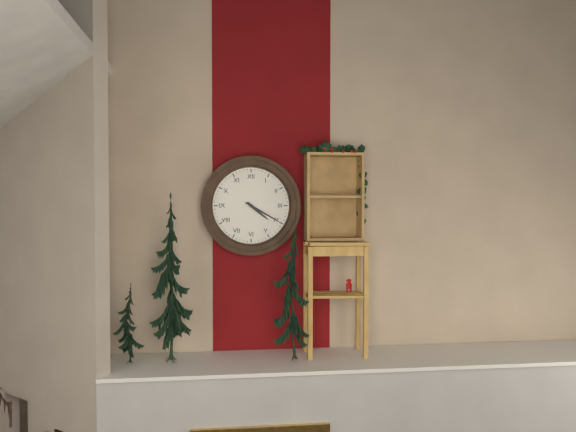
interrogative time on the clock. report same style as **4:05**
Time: **4:20**
